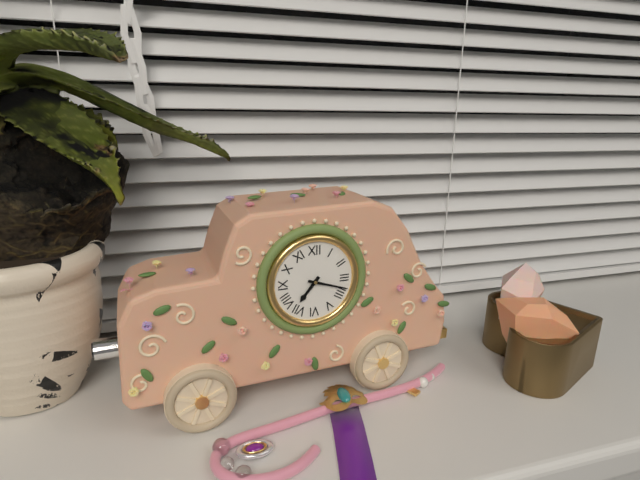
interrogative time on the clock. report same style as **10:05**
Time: **7:18**
